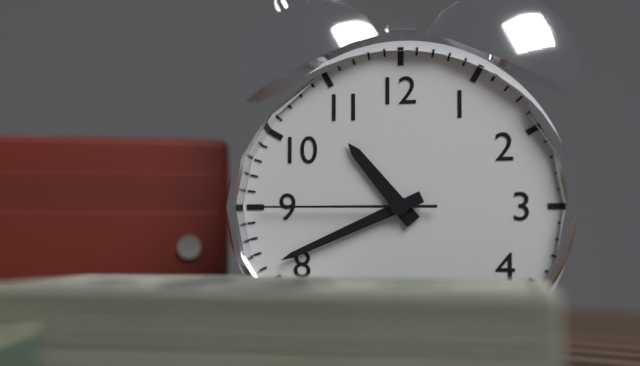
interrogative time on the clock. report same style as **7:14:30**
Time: **10:41:45**
